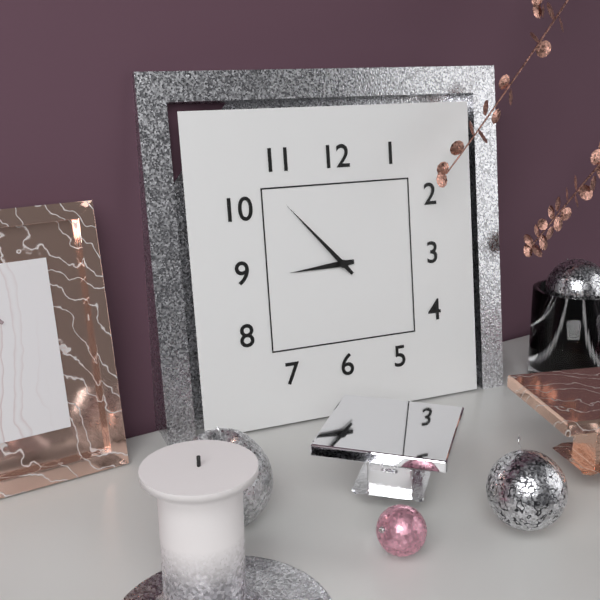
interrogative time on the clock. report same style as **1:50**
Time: **8:53**
